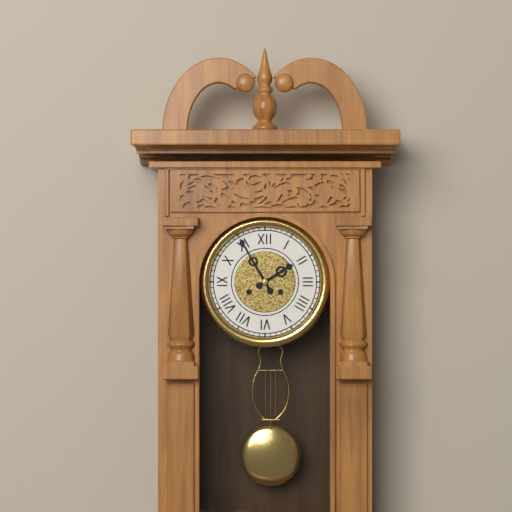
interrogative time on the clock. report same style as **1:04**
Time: **1:55**
